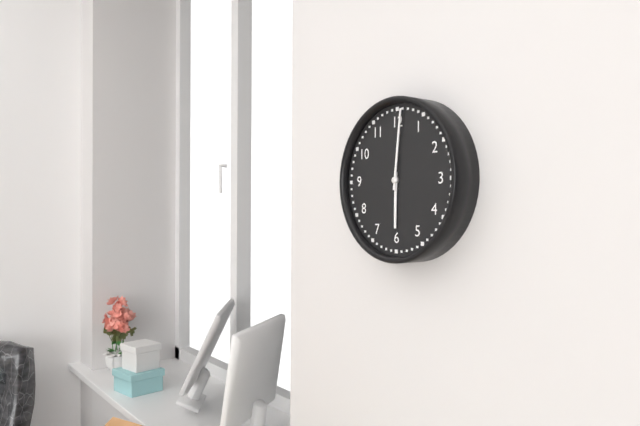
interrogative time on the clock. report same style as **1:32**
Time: **6:01**
